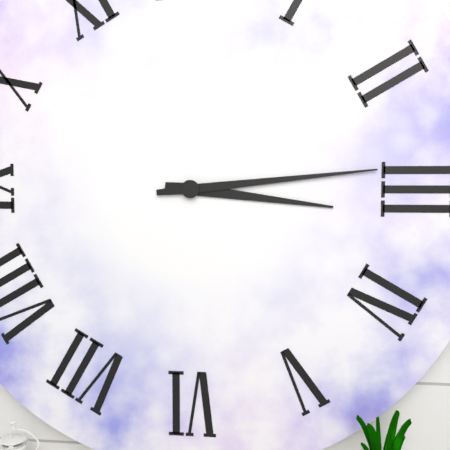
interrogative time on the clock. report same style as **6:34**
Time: **3:14**
